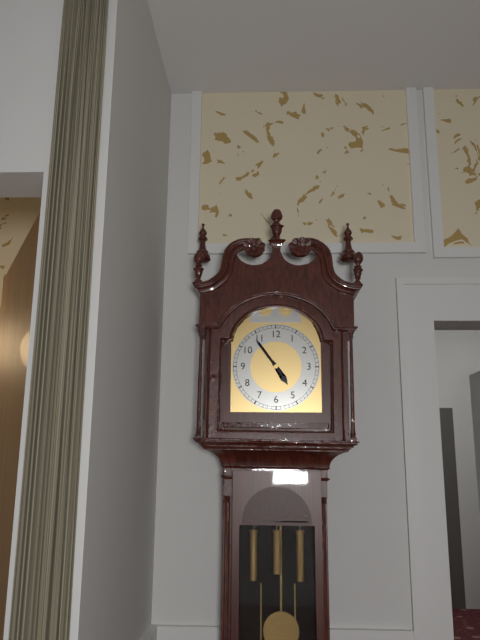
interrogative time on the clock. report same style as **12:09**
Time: **4:54**
